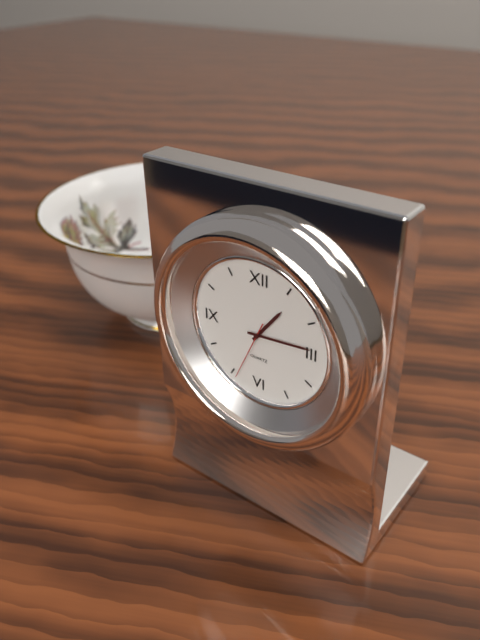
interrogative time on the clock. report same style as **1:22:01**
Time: **1:14:34**
